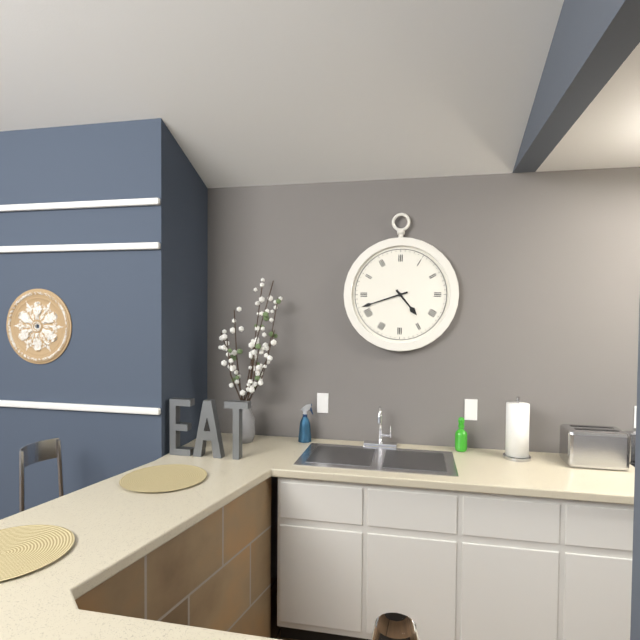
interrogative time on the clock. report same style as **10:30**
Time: **4:42**
